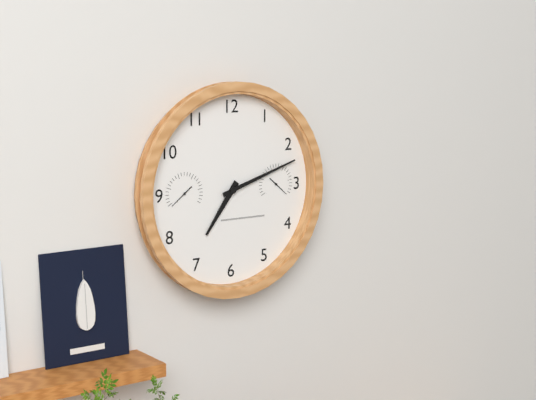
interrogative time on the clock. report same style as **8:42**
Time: **7:12**
